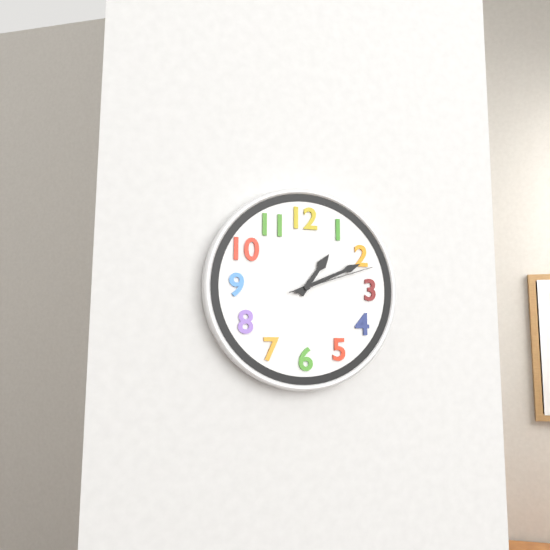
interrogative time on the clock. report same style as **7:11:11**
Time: **1:11:12**
